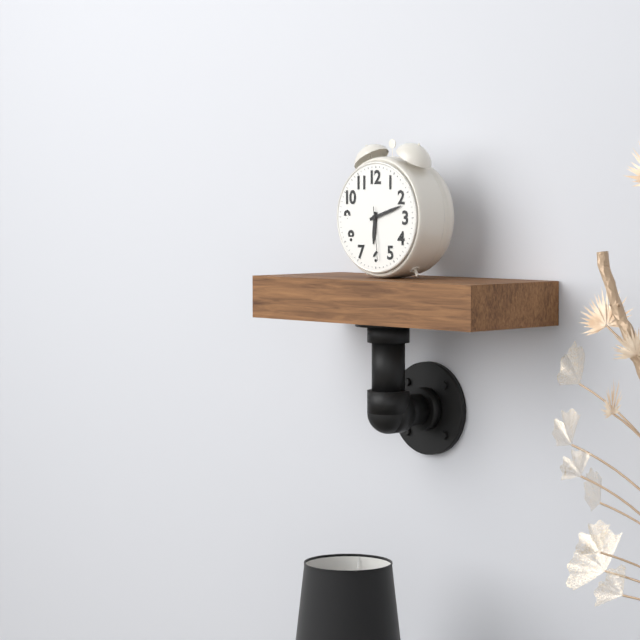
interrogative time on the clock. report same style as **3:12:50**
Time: **6:12:29**
